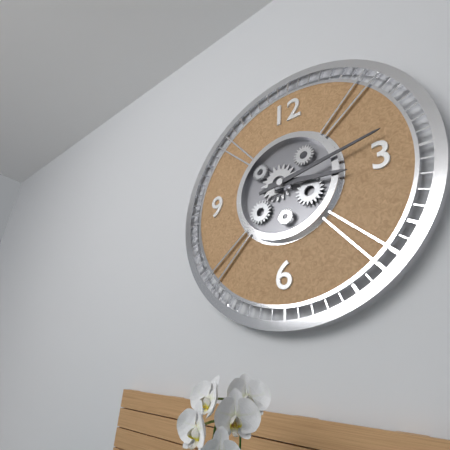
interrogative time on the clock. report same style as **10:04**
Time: **3:13**
